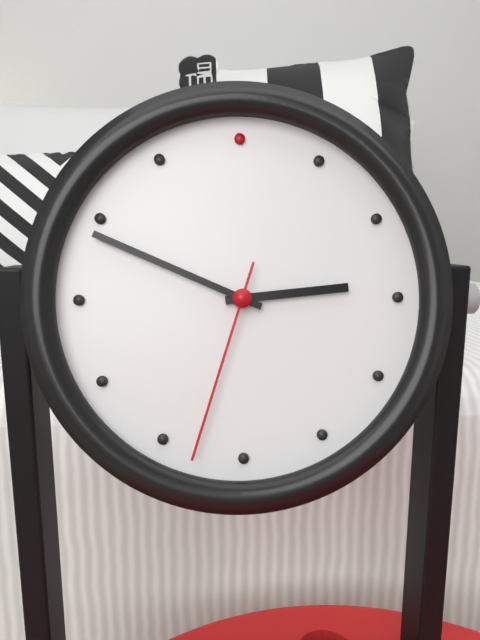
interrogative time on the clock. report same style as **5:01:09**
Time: **2:49:33**
